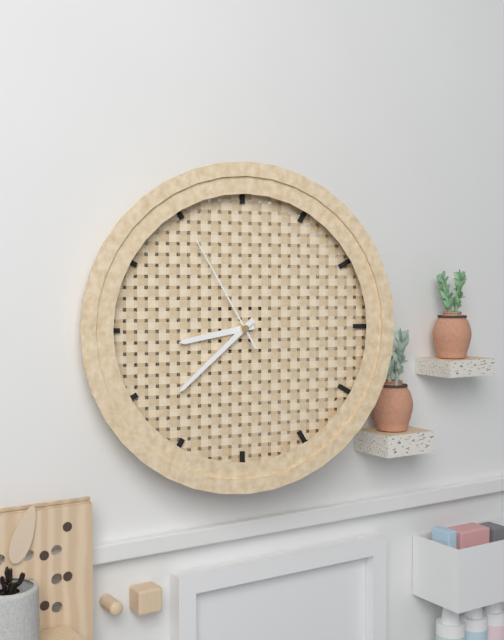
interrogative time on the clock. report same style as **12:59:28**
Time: **8:38:55**
